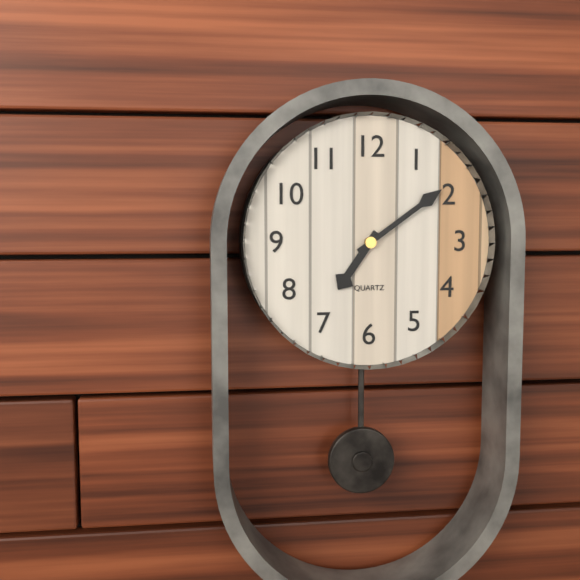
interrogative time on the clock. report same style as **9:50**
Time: **7:09**
